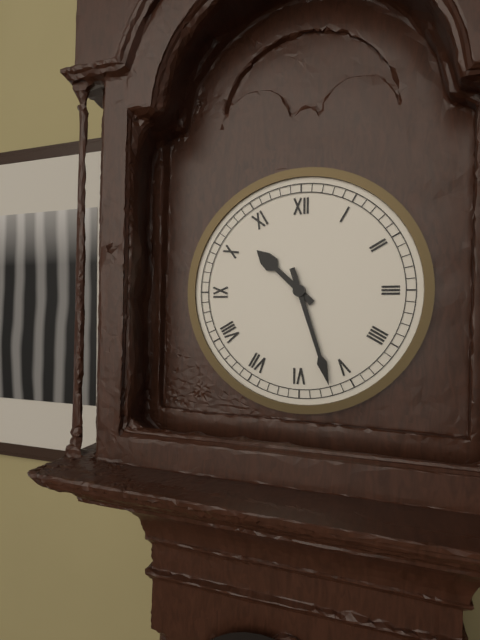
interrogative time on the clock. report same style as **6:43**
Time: **10:27**
